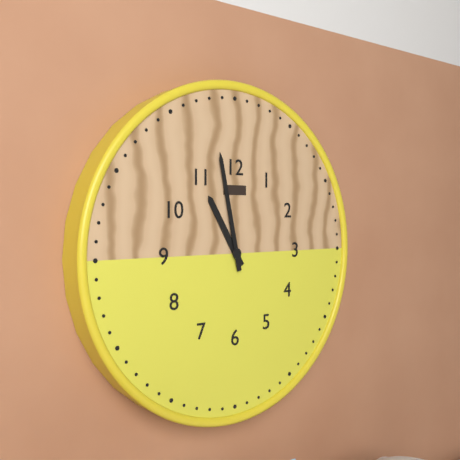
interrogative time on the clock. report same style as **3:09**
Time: **10:58**
